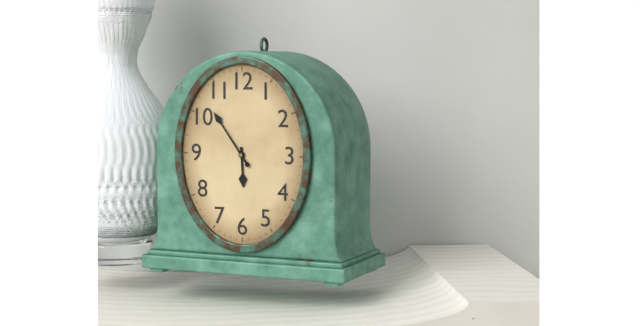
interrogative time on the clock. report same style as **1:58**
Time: **5:54**
